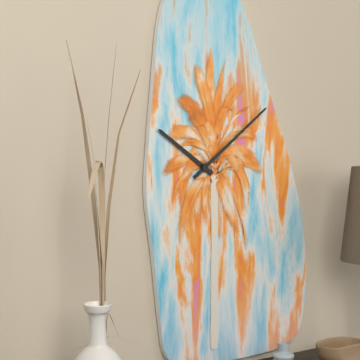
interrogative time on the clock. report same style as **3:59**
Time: **10:09**
